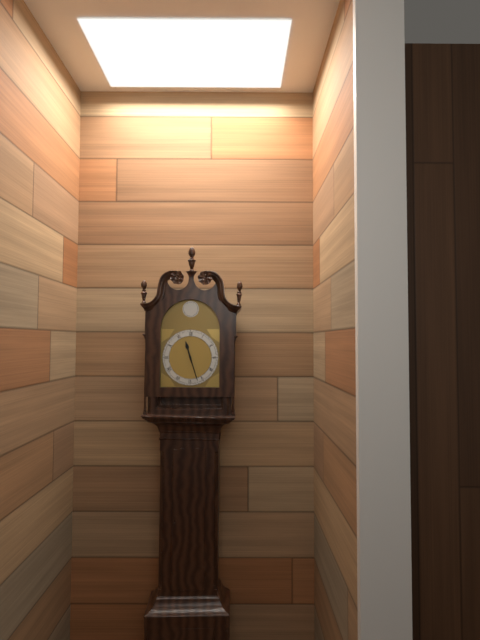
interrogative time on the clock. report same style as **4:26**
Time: **11:27**
